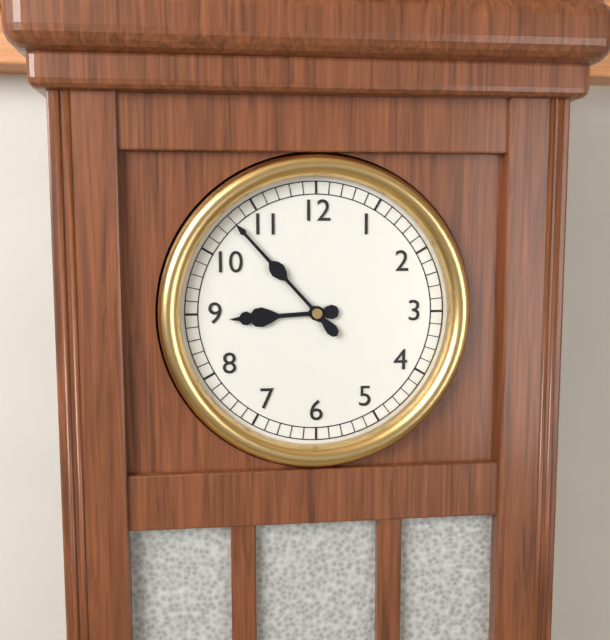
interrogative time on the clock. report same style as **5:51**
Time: **8:53**
